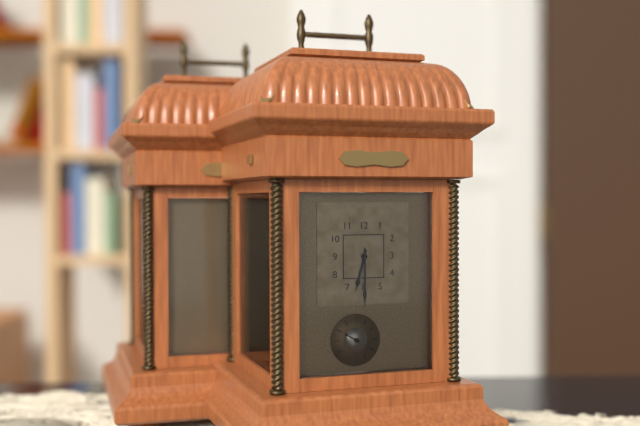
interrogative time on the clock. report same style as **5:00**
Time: **6:30**
